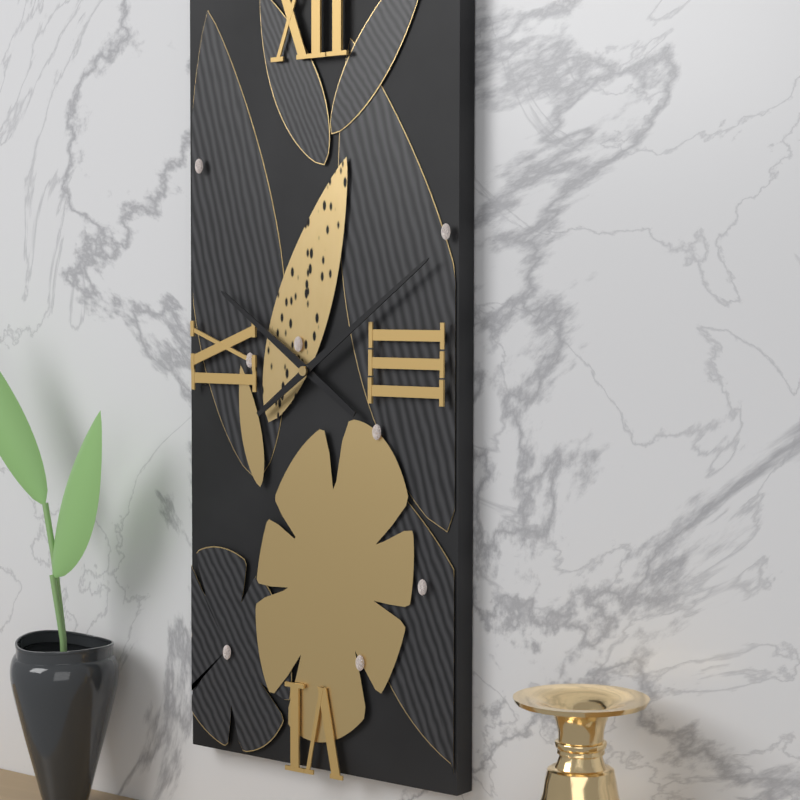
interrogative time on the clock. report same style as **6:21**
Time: **10:09**
